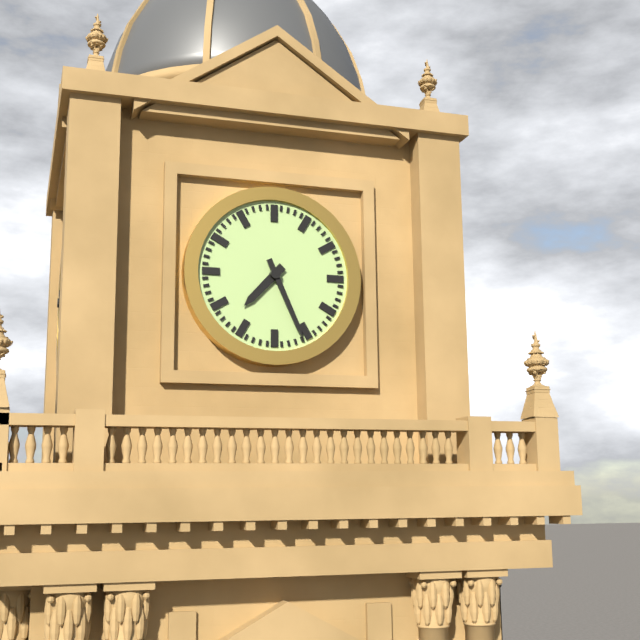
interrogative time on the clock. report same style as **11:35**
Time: **7:26**
